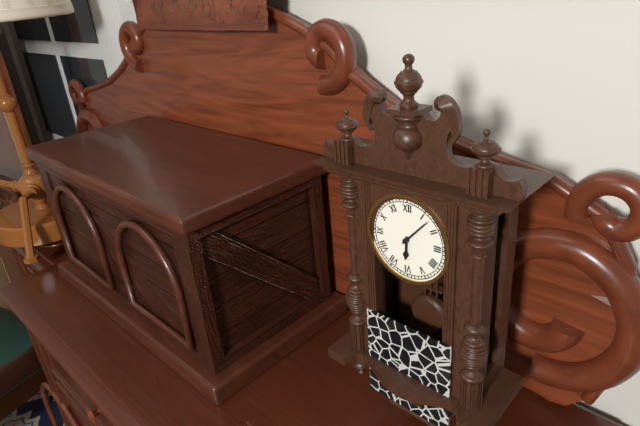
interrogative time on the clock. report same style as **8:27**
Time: **6:07**
